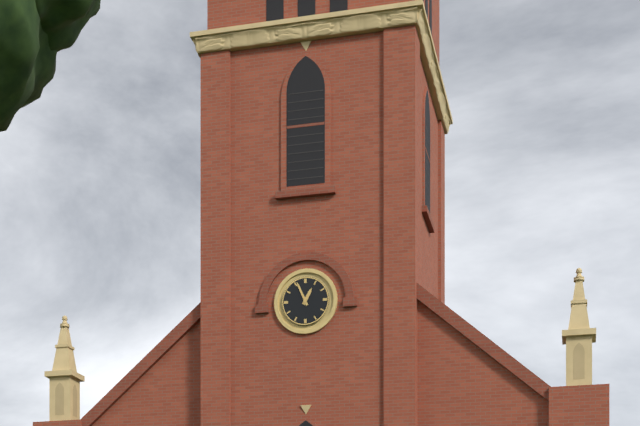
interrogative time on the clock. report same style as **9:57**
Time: **12:56**
